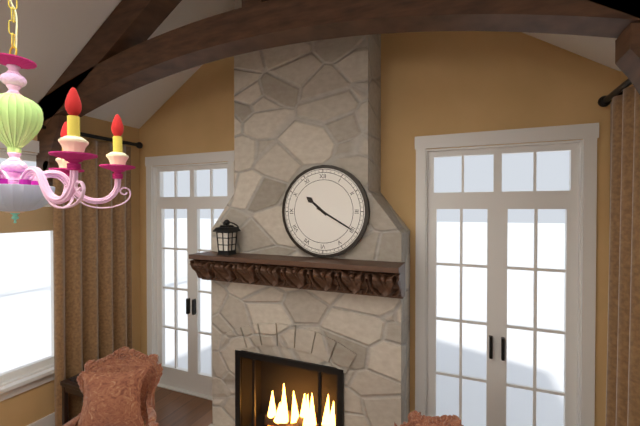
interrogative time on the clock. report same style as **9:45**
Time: **10:20**
